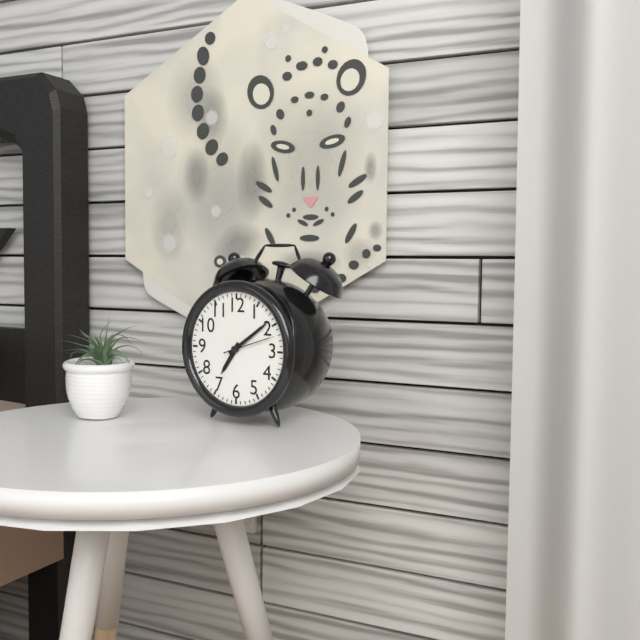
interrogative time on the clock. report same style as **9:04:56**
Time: **7:09:12**
